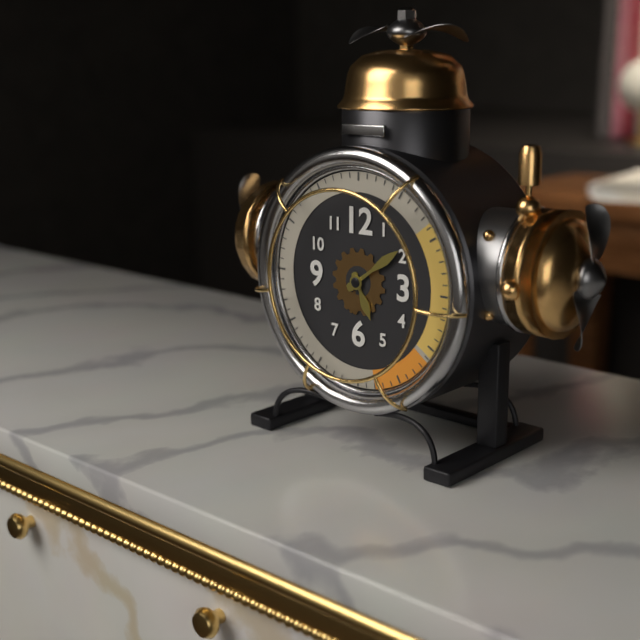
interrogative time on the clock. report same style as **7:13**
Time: **5:09**
